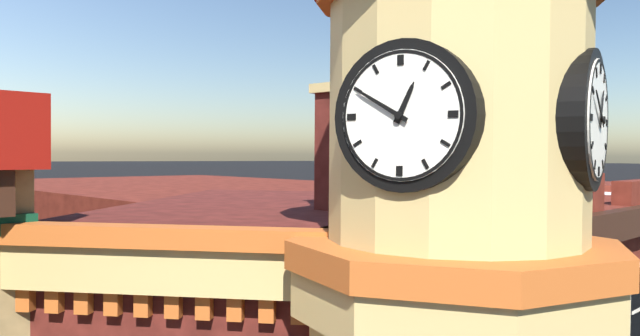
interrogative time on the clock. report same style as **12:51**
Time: **12:50**
